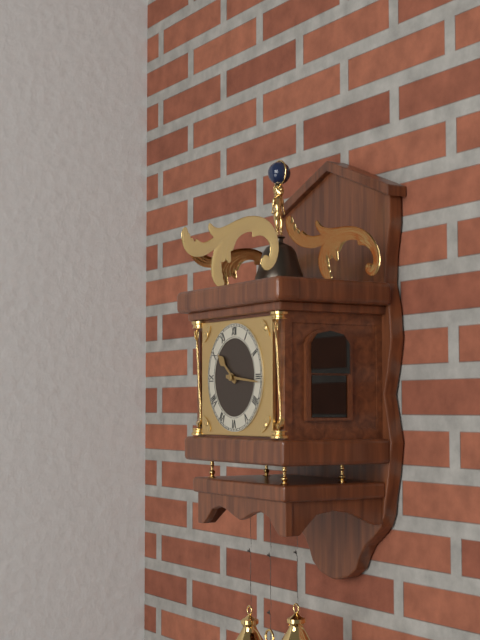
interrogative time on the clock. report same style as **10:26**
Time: **10:16**
